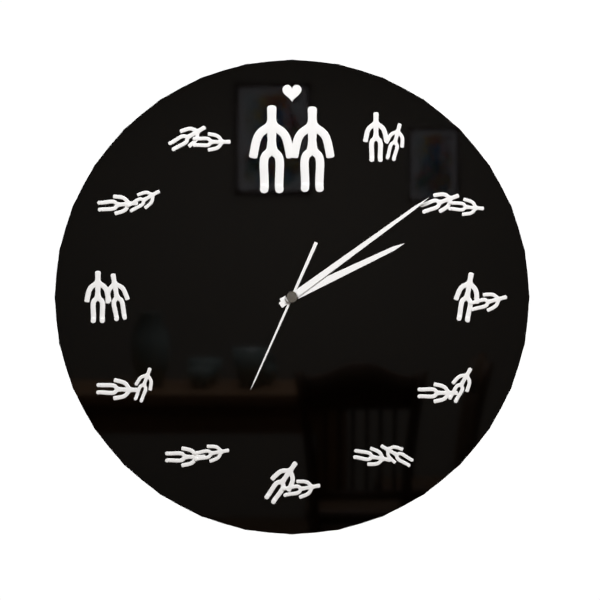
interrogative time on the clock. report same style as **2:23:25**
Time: **2:09:34**
